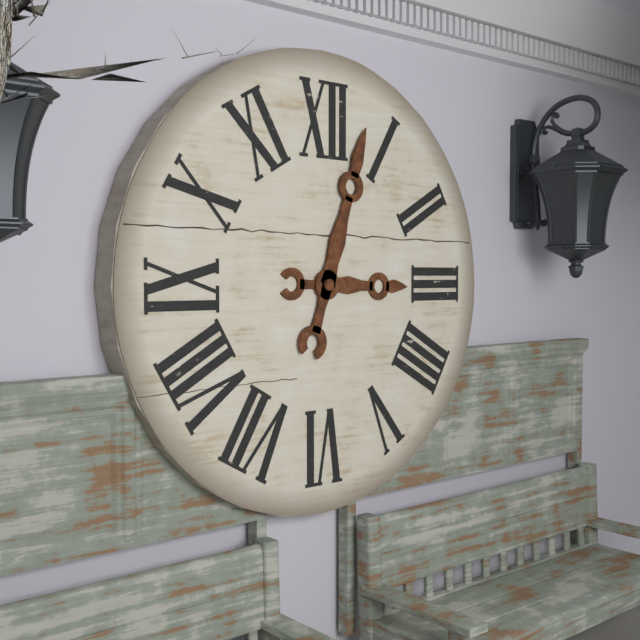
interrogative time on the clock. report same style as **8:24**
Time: **3:03**
